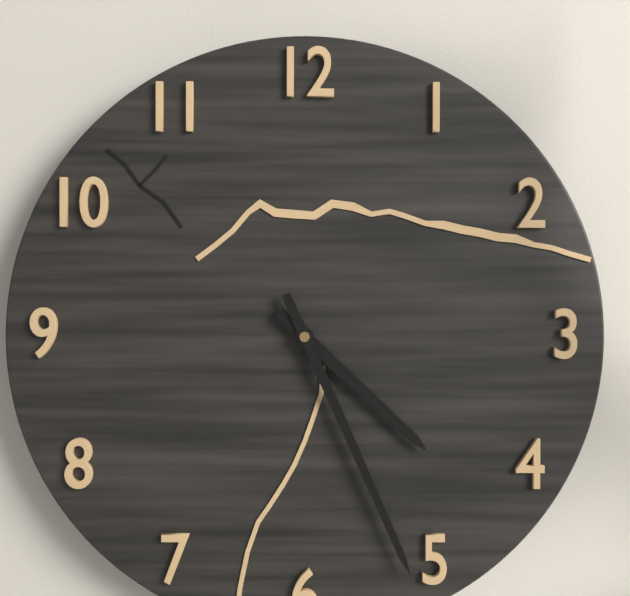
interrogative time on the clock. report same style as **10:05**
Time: **4:26**
